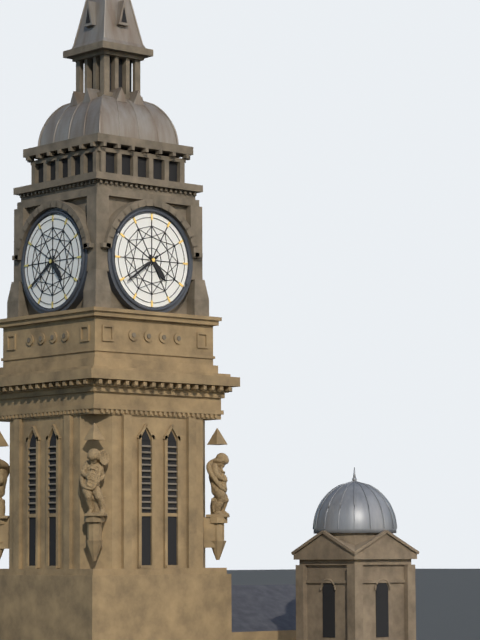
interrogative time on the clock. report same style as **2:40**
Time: **4:39**
